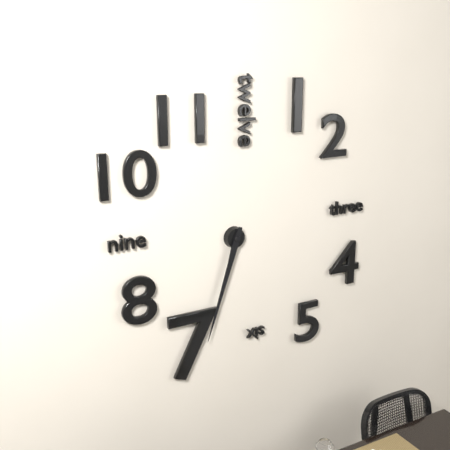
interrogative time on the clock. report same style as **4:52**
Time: **6:33**
